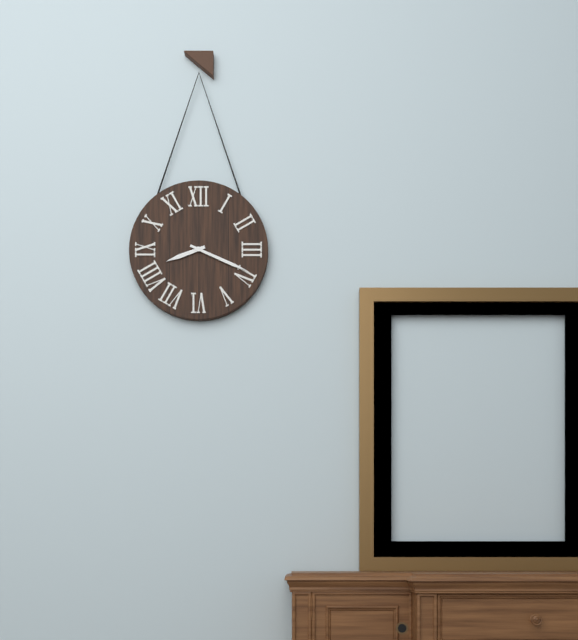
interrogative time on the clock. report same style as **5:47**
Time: **8:19**
